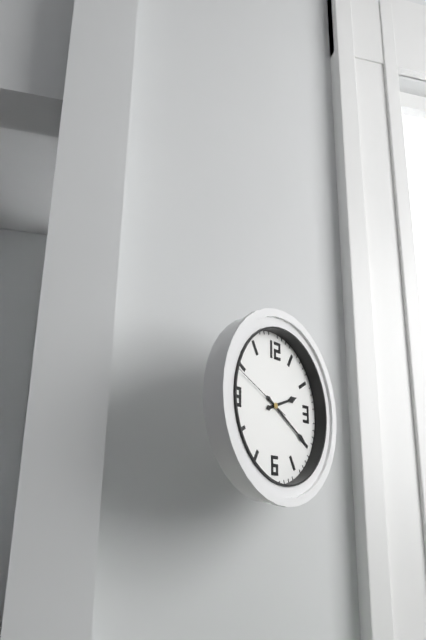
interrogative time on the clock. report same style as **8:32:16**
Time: **2:20:49**
